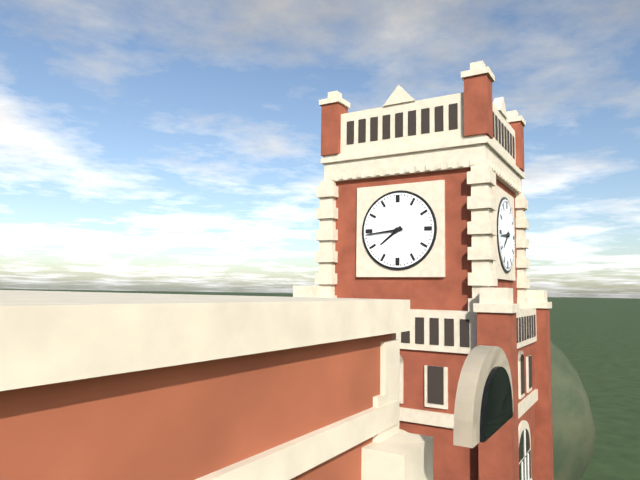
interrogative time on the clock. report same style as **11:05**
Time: **7:44**
